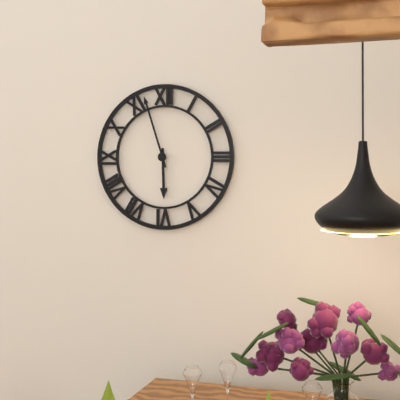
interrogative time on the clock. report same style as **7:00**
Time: **5:57**
